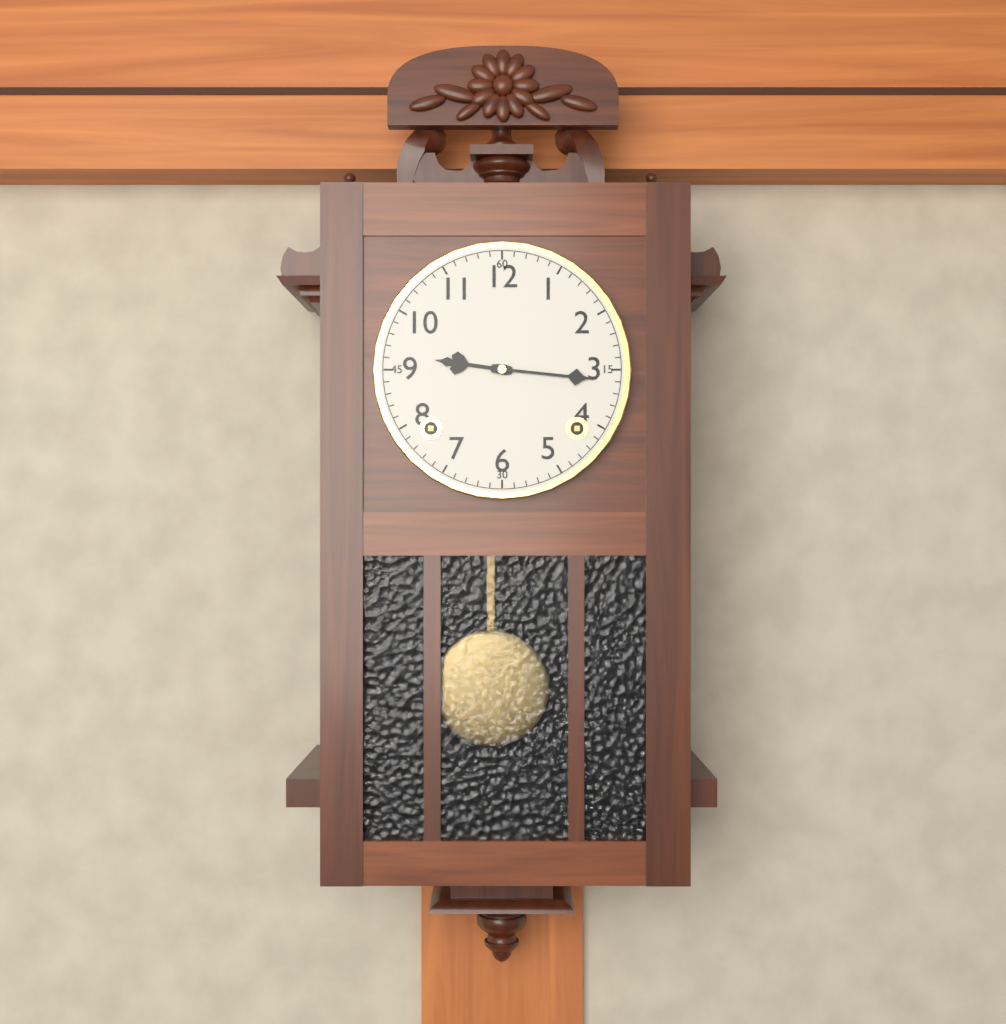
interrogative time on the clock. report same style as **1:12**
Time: **9:16**
